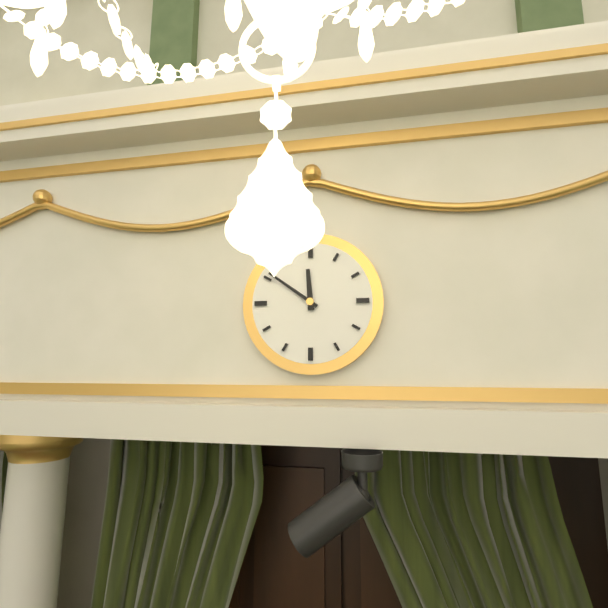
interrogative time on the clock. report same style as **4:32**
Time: **11:51**
